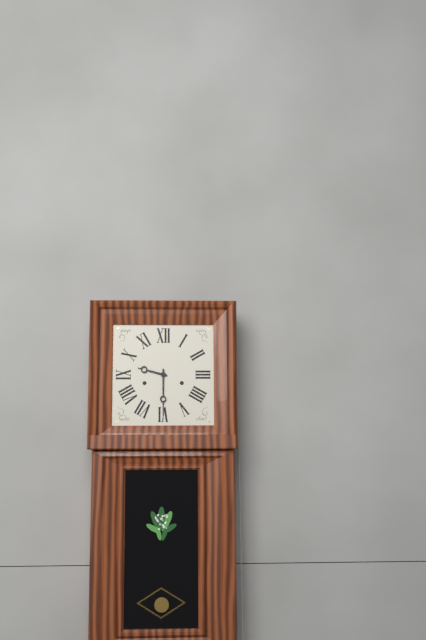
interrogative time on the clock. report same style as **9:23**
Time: **9:30**
